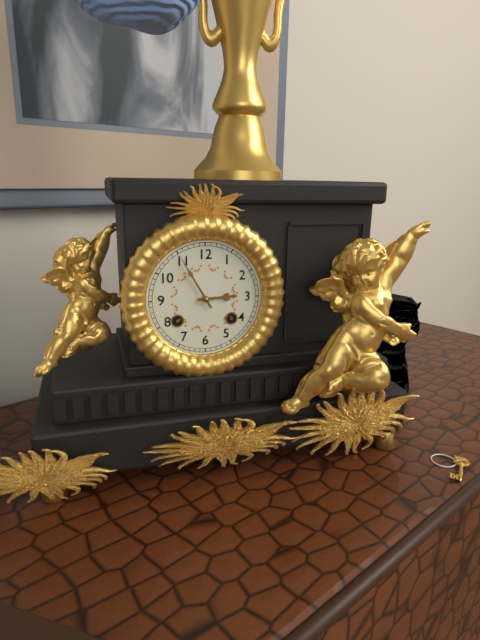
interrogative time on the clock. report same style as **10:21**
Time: **2:55**
